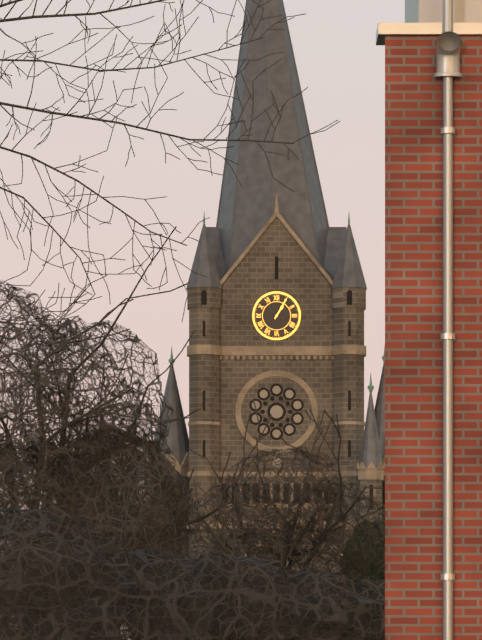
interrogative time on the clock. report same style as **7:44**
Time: **1:05**
